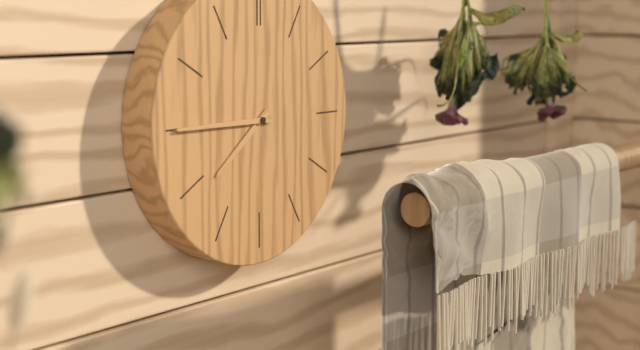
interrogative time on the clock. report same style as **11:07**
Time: **7:45**
